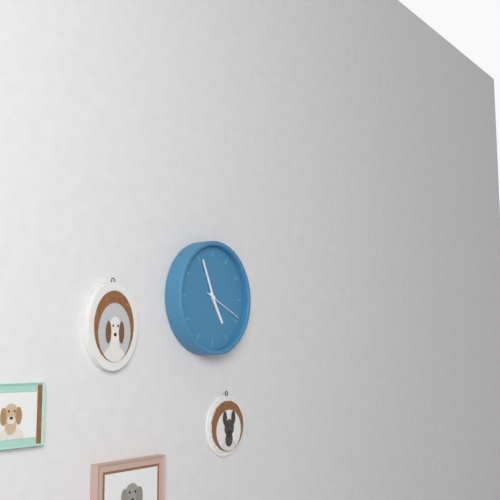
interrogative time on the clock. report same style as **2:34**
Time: **4:56**
